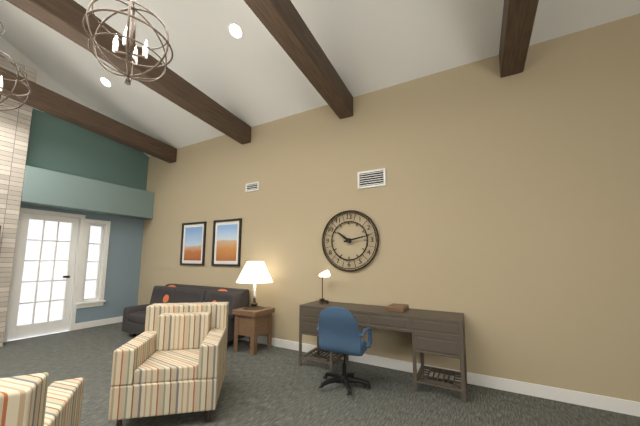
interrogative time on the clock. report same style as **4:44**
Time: **10:13**
